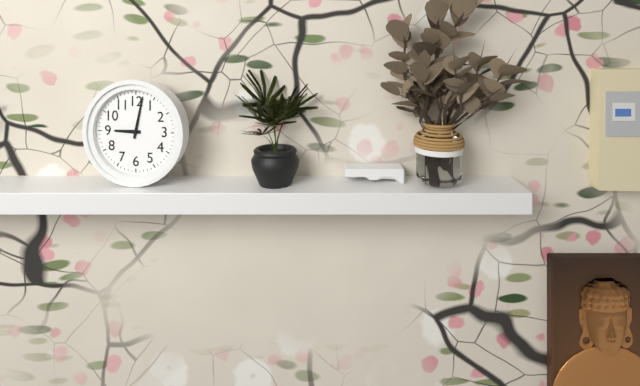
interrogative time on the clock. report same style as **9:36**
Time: **9:02**
